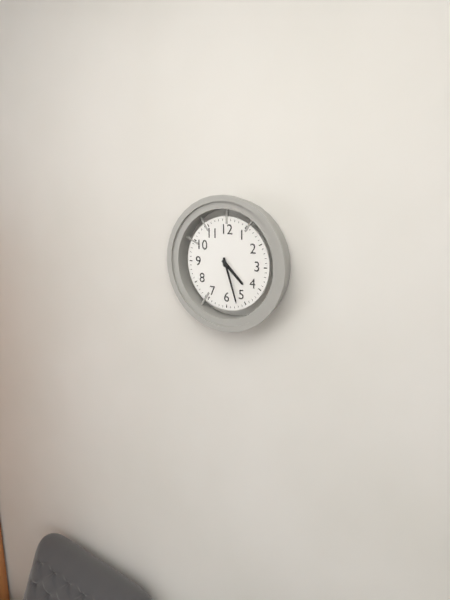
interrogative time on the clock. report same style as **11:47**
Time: **4:27**
